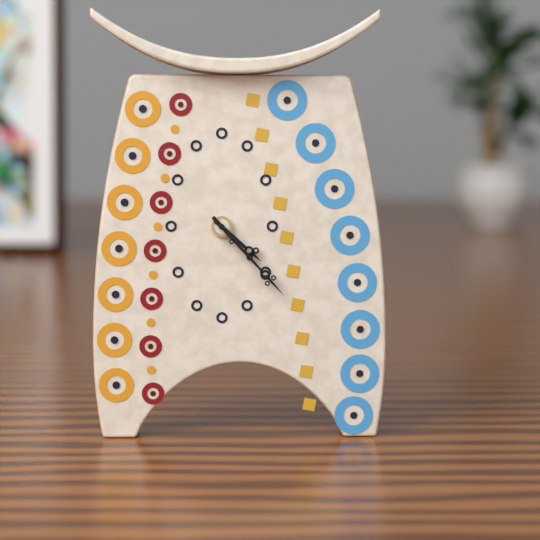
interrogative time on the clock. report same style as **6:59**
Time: **4:23**
